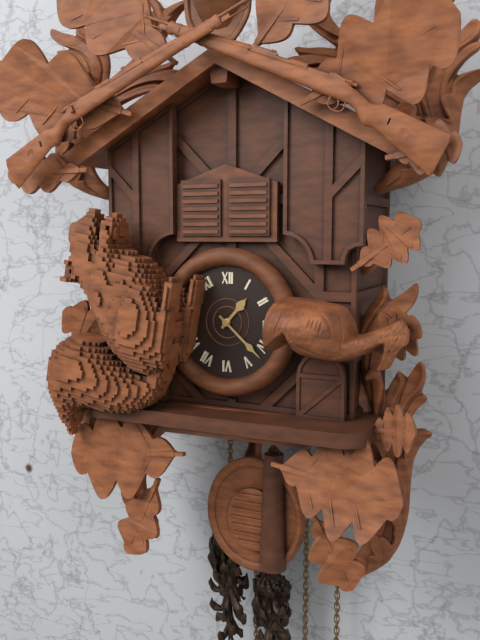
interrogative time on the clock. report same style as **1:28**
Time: **1:22**
